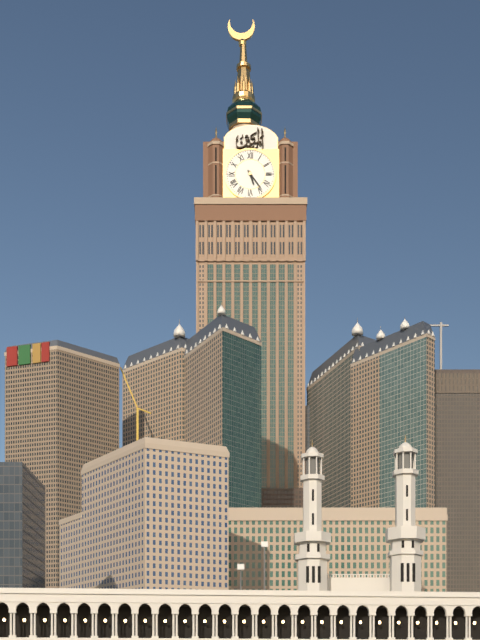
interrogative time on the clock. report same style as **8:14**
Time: **5:24**
